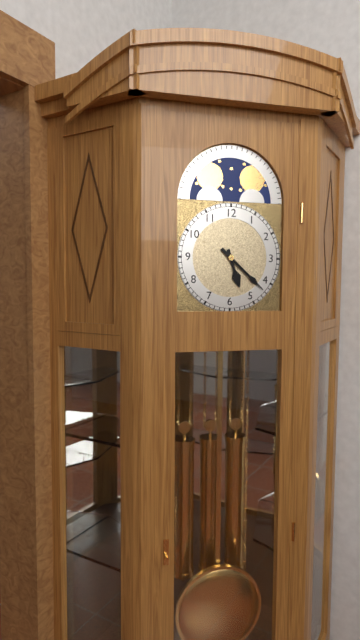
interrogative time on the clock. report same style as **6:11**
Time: **5:22**
